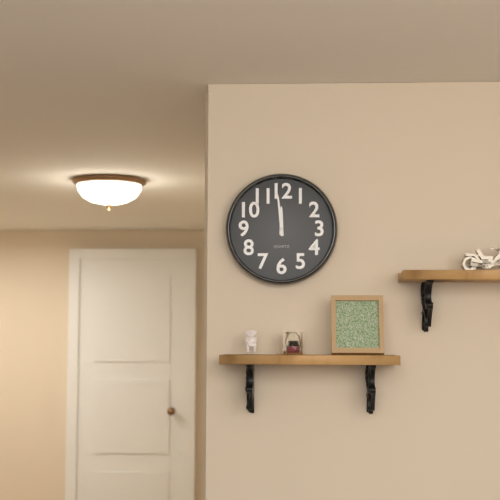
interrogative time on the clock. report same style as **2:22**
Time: **11:59**
